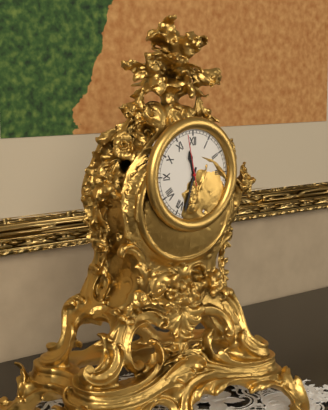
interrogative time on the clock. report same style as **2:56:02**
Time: **11:33:58**
